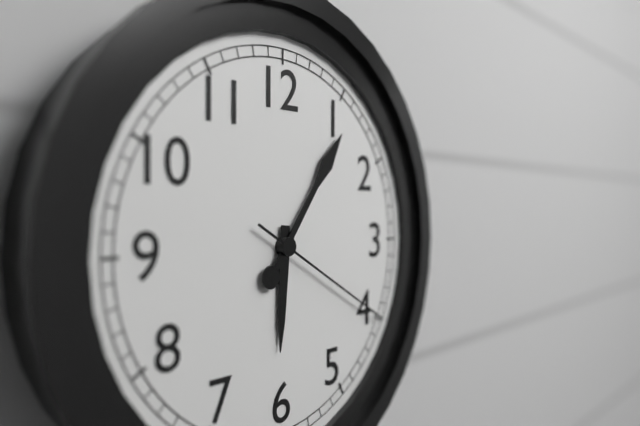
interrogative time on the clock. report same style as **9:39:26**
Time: **6:06:20**
